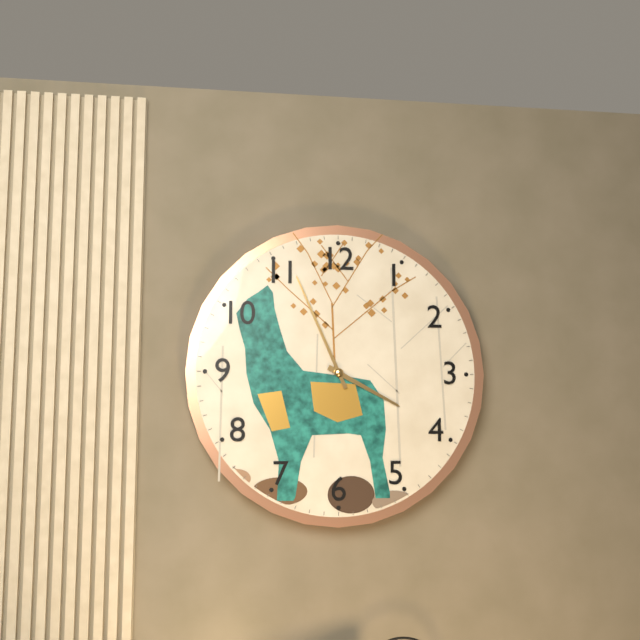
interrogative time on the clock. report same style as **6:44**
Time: **3:56**
